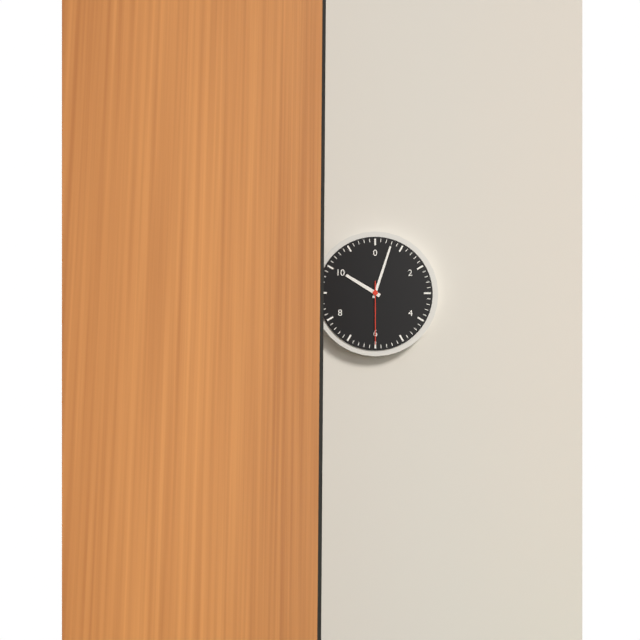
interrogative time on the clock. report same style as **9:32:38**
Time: **10:03:30**
